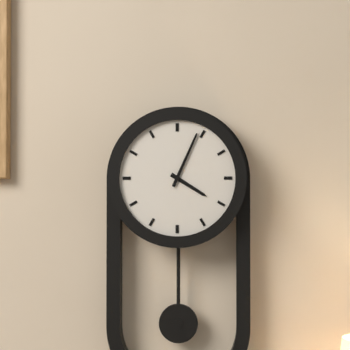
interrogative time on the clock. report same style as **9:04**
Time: **4:04**
